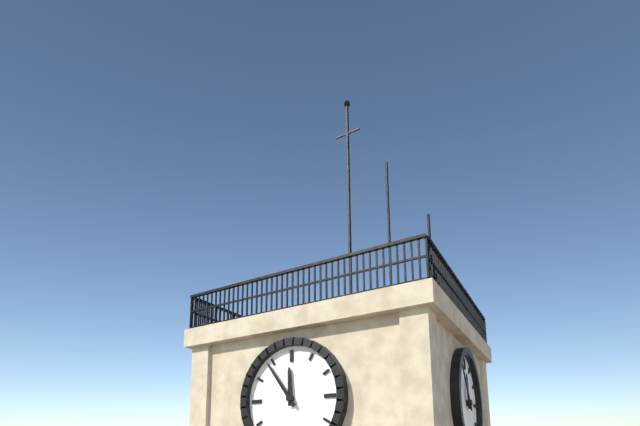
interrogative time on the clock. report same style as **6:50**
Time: **11:54**
